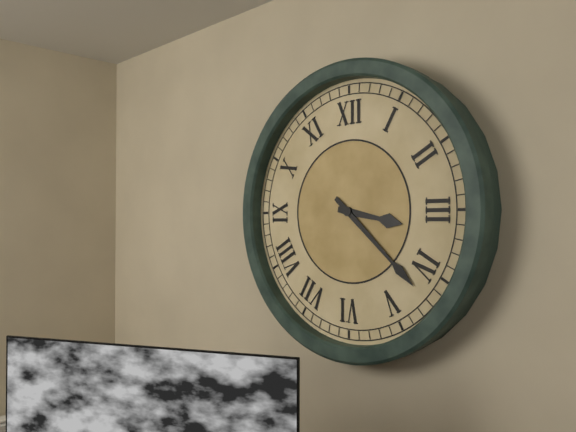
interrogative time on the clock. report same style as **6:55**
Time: **3:22**
